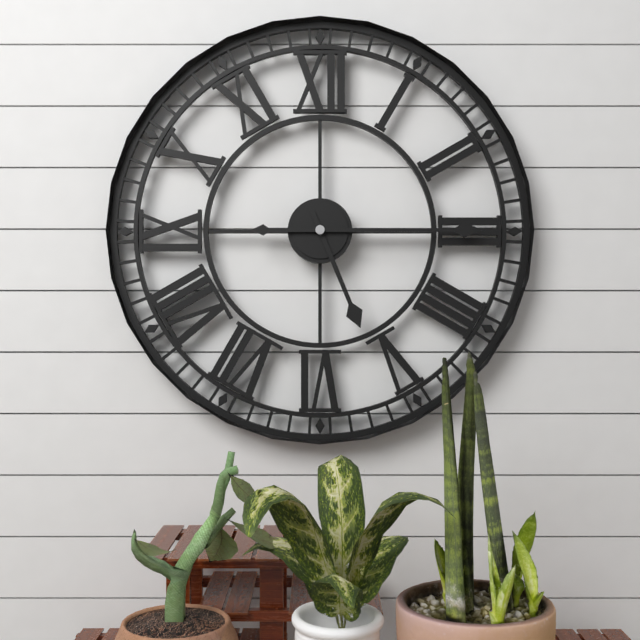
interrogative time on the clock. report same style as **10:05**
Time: **5:15**
